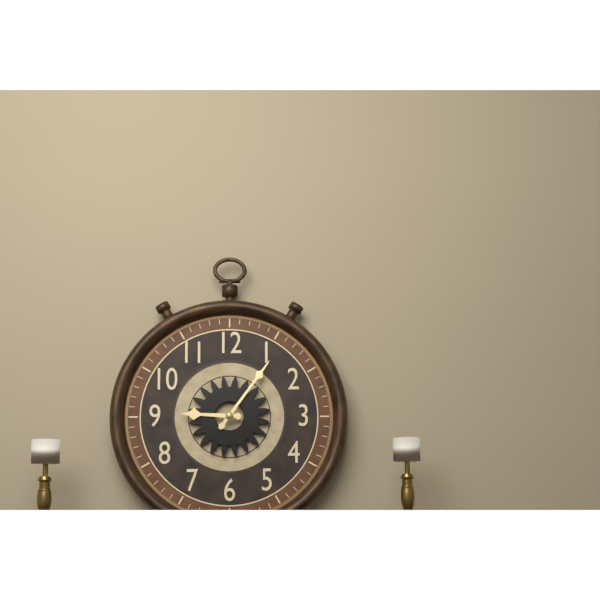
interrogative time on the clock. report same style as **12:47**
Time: **9:06**
